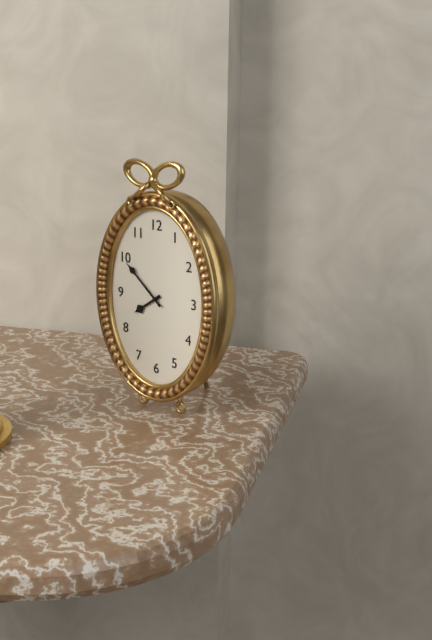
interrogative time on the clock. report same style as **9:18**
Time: **7:52**
